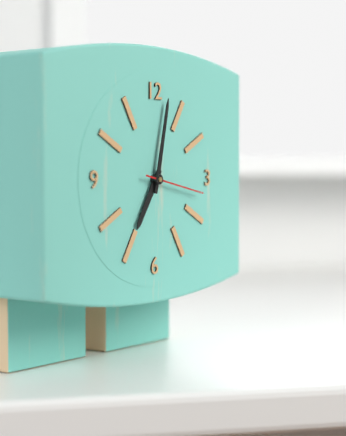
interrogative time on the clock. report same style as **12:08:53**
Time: **7:02:17**
